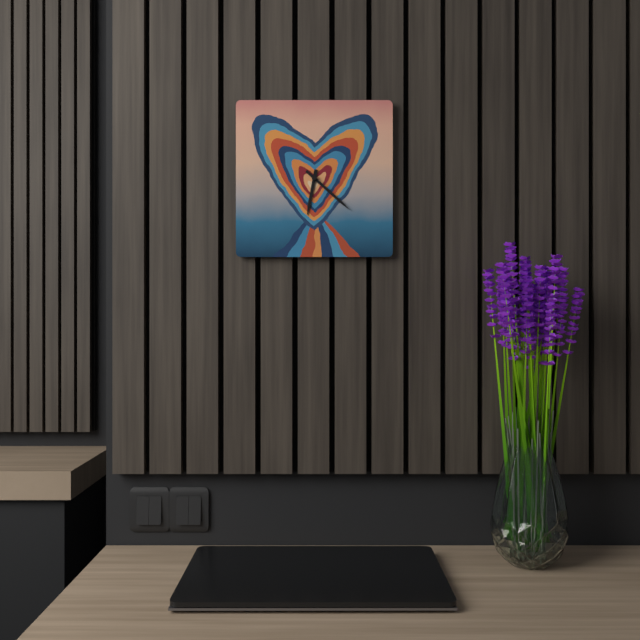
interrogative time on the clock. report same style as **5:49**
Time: **6:22**
